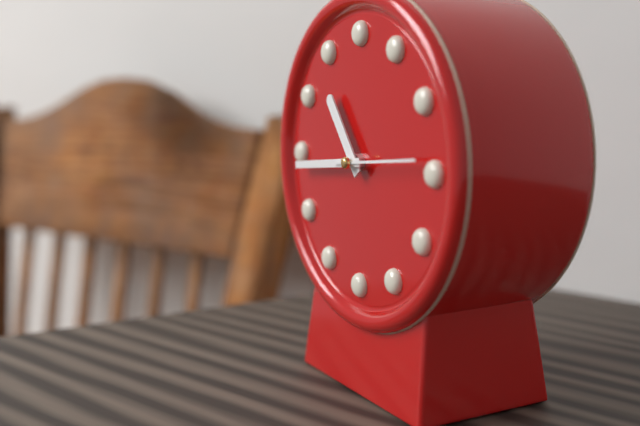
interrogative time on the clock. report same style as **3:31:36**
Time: **10:44:14**
